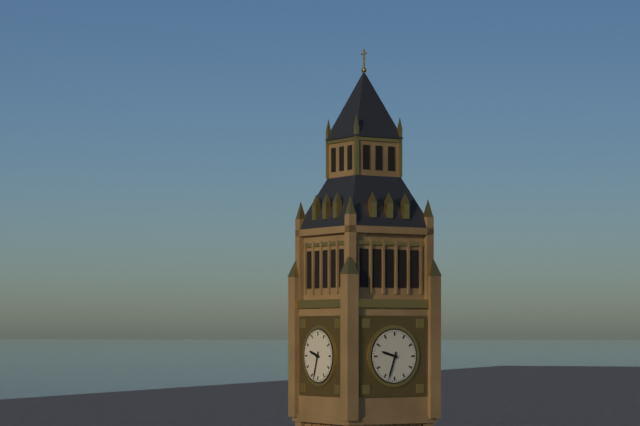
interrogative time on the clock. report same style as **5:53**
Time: **9:33**
